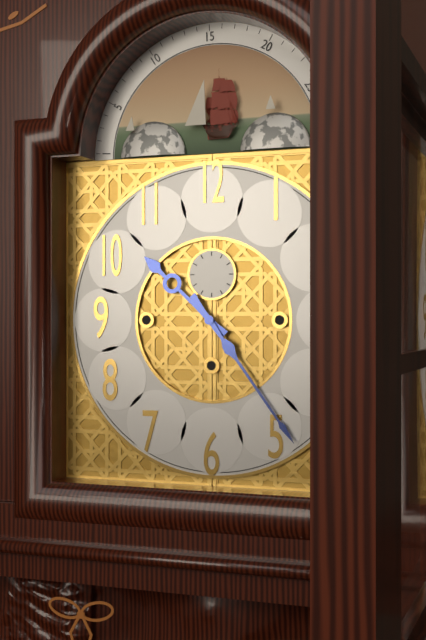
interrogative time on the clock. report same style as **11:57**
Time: **10:24**
